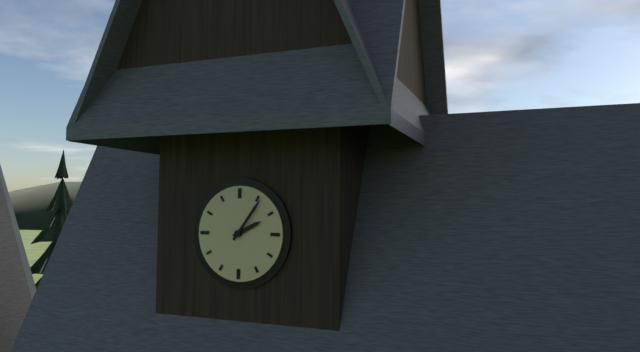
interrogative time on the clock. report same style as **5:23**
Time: **2:06**
